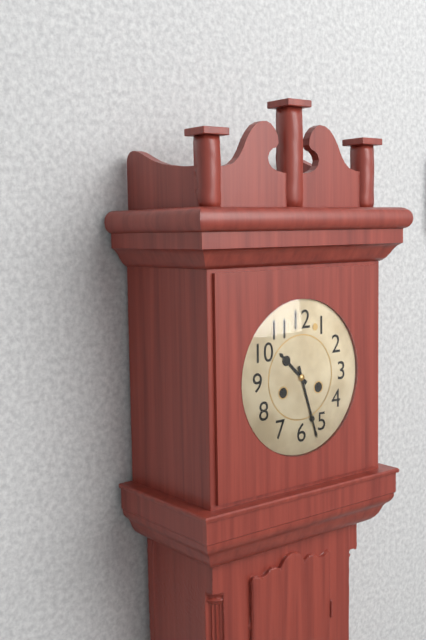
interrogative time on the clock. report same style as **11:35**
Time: **10:27**
